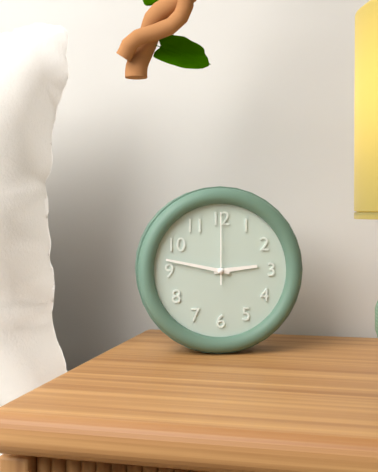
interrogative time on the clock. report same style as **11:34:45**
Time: **2:47:00**
